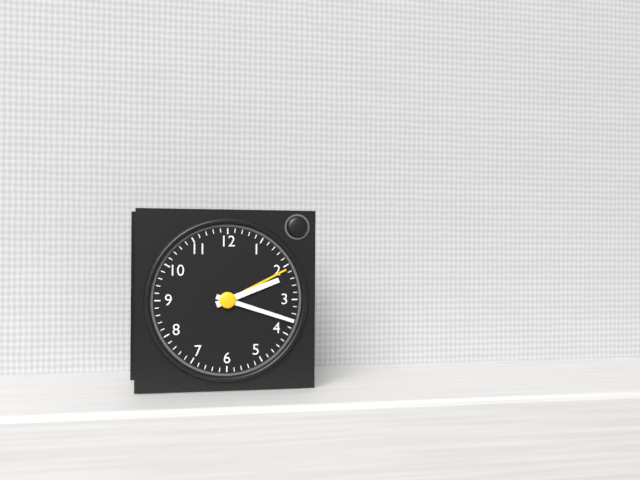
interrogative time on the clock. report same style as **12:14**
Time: **2:18**
